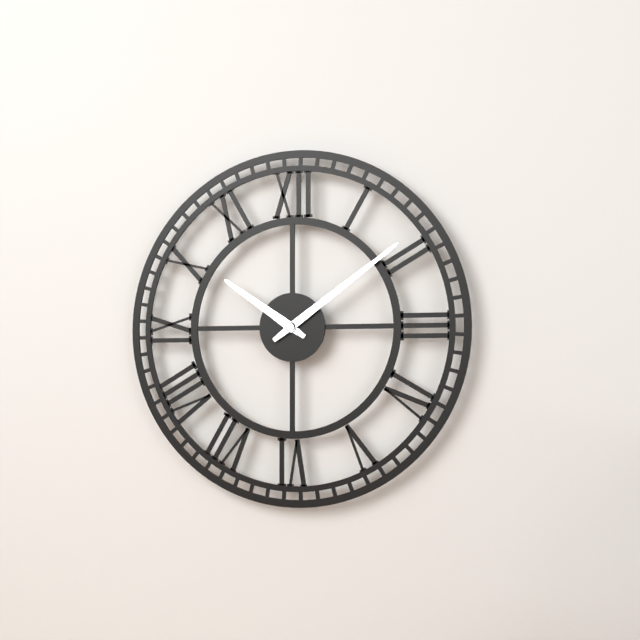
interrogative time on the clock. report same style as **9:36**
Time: **10:09**
